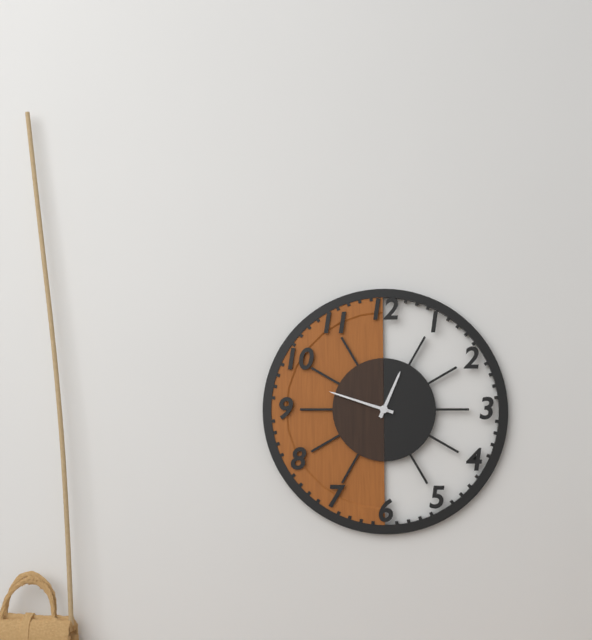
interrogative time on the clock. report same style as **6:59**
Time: **12:48**
